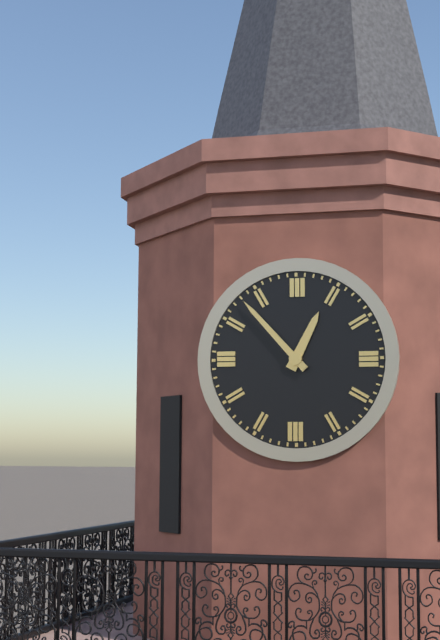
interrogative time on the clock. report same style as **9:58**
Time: **12:53**
